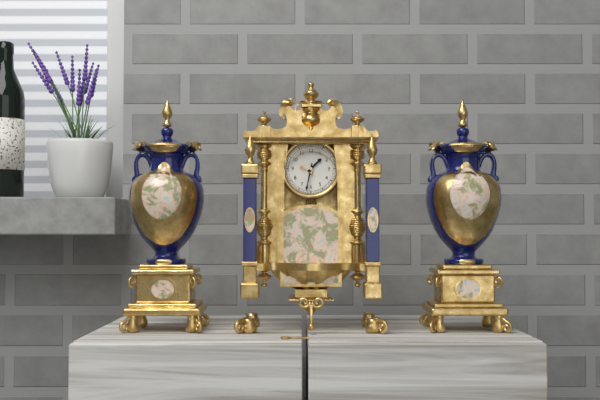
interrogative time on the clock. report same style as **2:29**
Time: **1:32**
